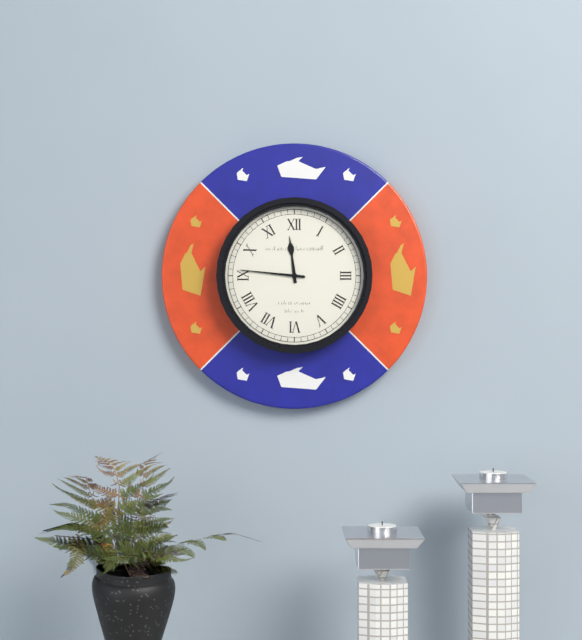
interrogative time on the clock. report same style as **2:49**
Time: **11:46**
